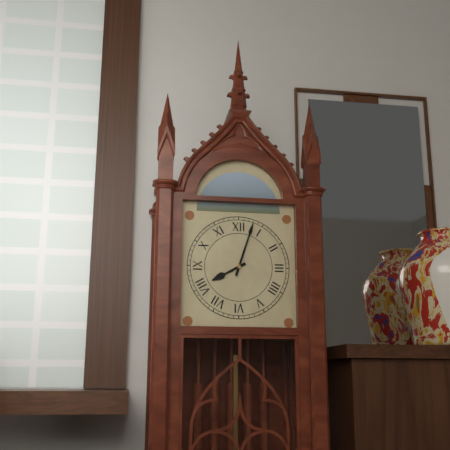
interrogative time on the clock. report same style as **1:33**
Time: **8:03**
